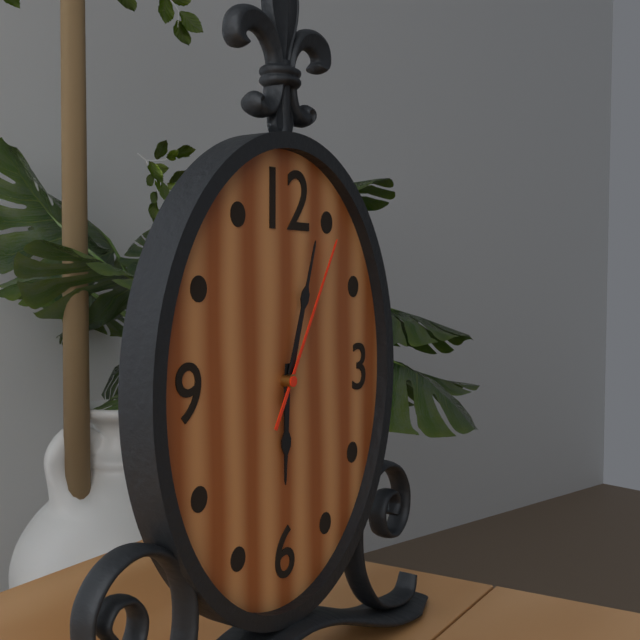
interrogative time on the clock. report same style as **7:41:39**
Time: **6:03:05**
